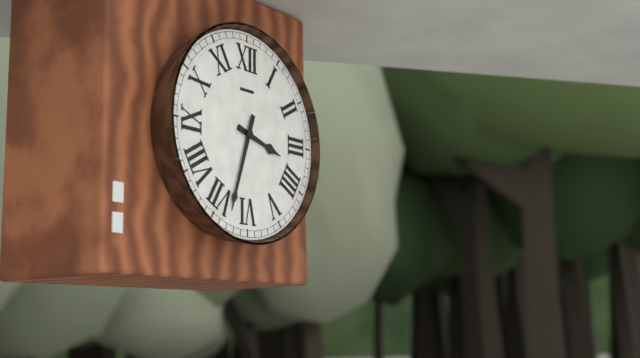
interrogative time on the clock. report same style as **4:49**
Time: **3:33**
